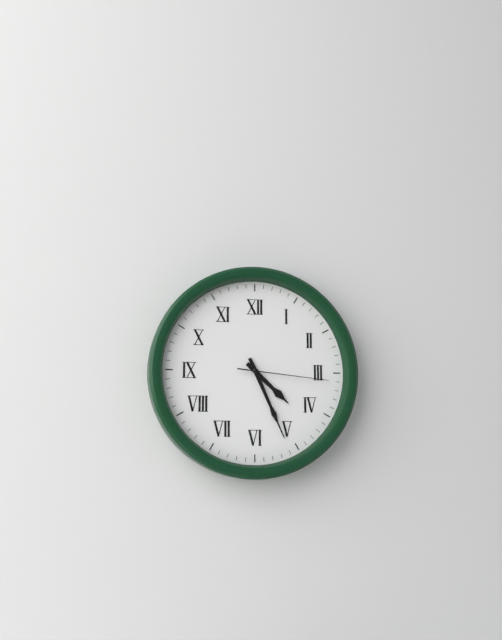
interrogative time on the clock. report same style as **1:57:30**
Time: **4:26:16**
